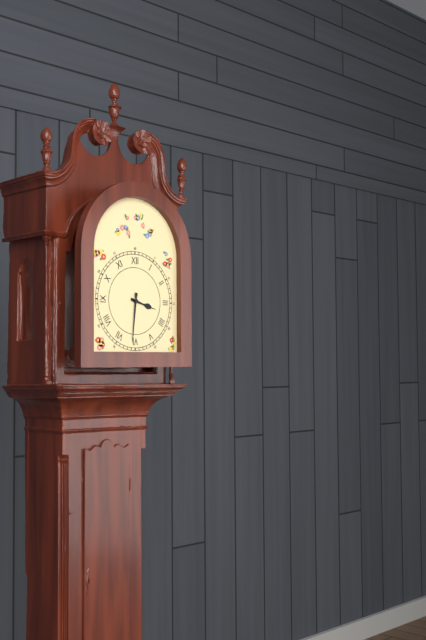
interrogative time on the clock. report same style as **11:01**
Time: **3:31**
